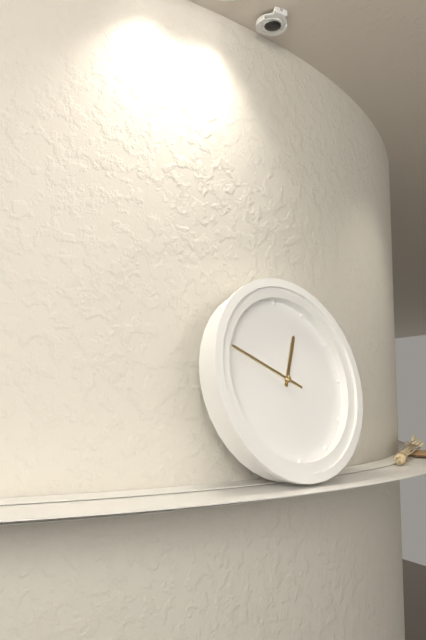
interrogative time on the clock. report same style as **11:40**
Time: **12:49**
